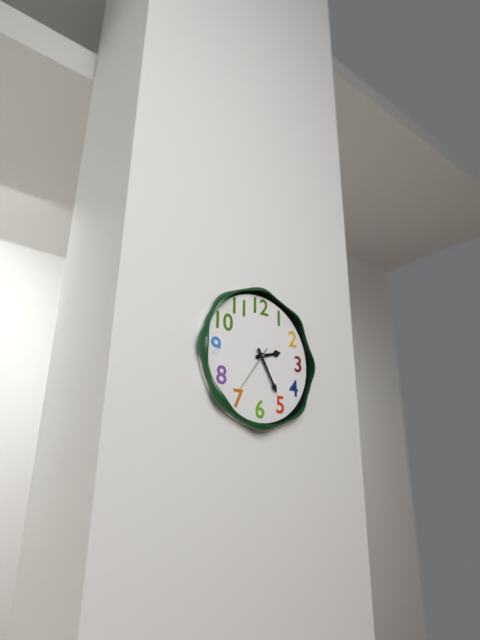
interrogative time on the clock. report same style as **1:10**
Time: **2:25**
